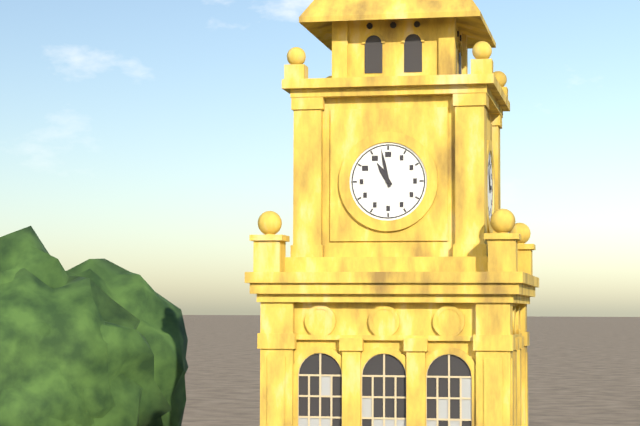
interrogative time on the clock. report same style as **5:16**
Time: **10:58**
